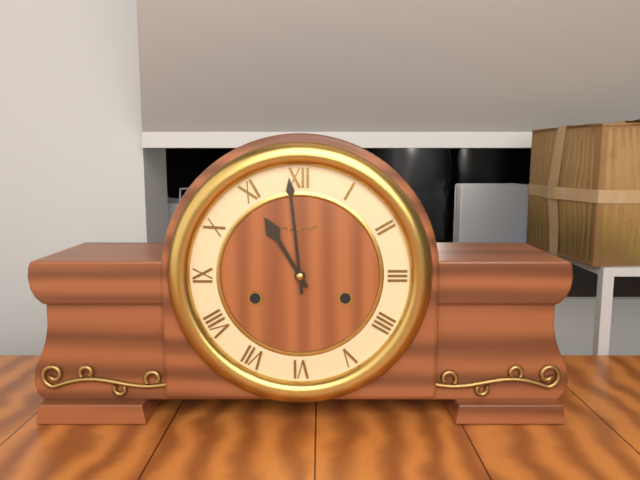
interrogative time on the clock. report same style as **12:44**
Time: **10:59**
